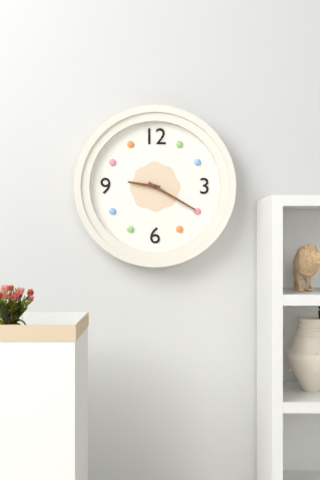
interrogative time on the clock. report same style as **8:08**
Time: **9:20**
